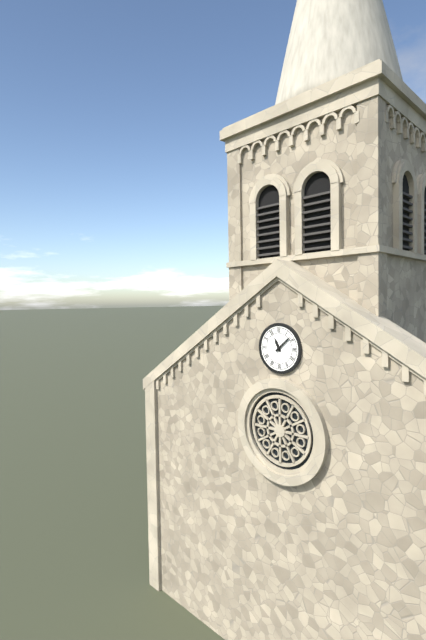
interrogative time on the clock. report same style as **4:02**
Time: **11:08**
